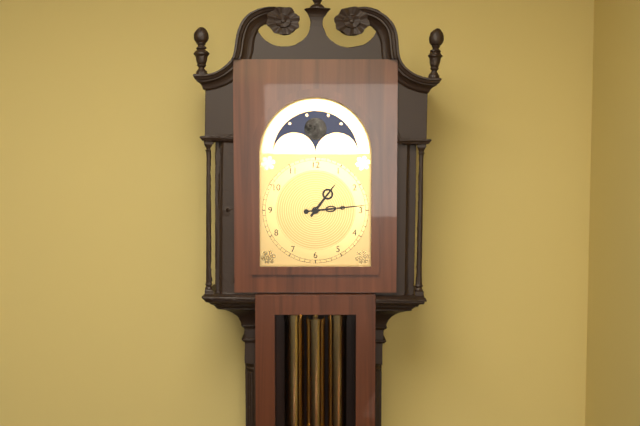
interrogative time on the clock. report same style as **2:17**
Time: **1:14**
